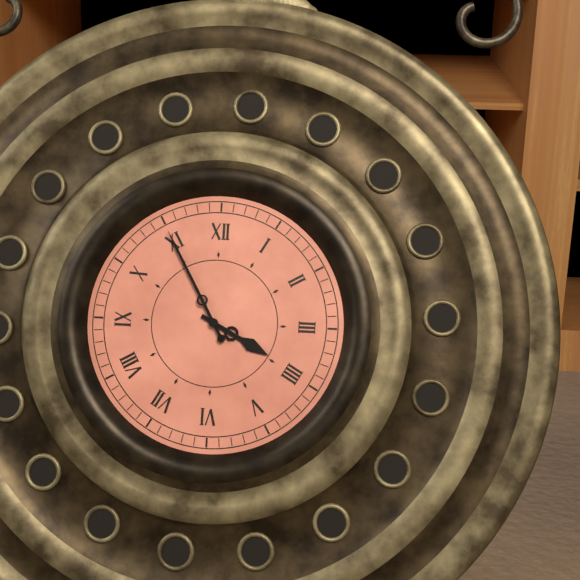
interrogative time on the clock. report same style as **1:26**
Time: **3:55**
